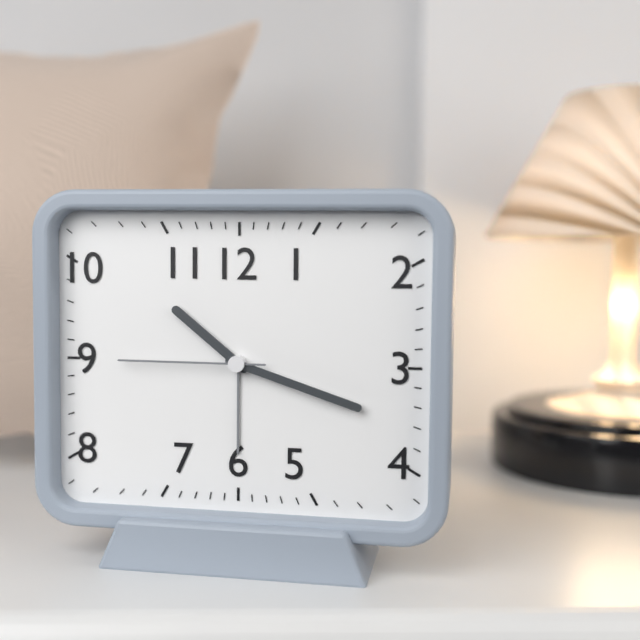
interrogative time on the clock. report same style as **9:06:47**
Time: **10:18:45**
